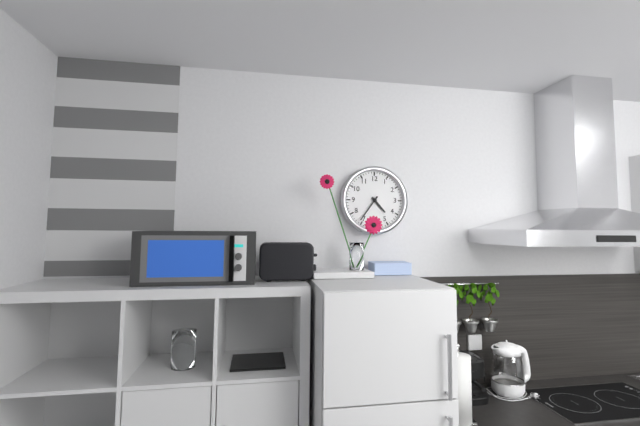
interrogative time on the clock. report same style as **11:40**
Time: **4:36**
